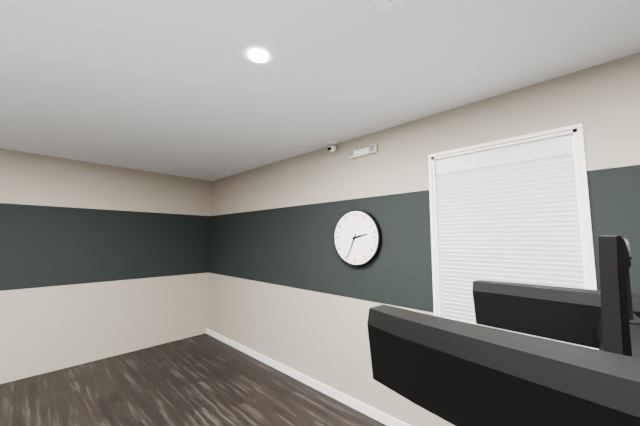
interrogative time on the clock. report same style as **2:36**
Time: **2:34**
